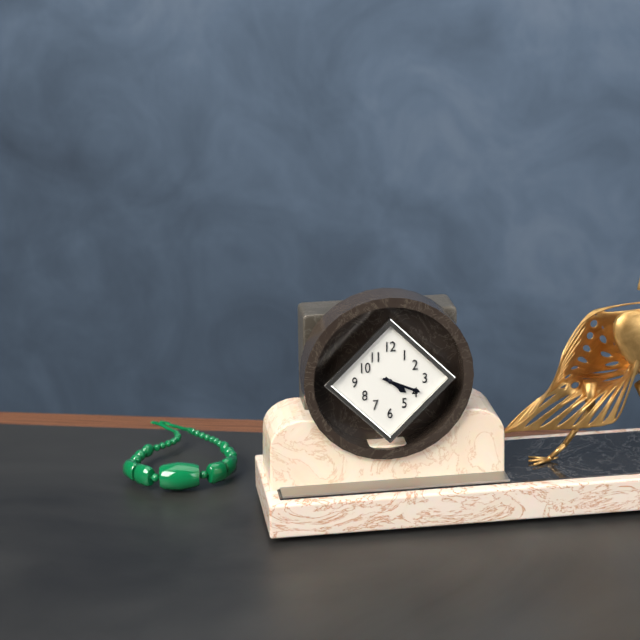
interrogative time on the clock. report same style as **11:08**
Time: **4:19**
